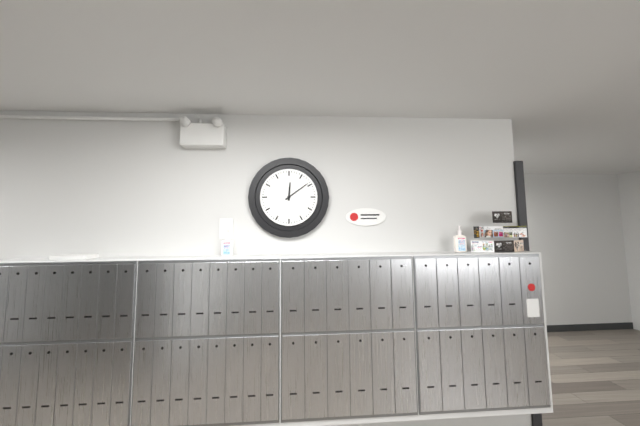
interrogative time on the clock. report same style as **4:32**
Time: **12:09**
